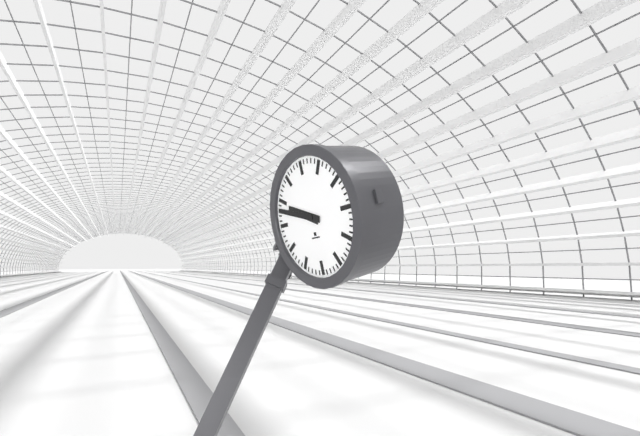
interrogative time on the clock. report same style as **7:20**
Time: **9:48**
